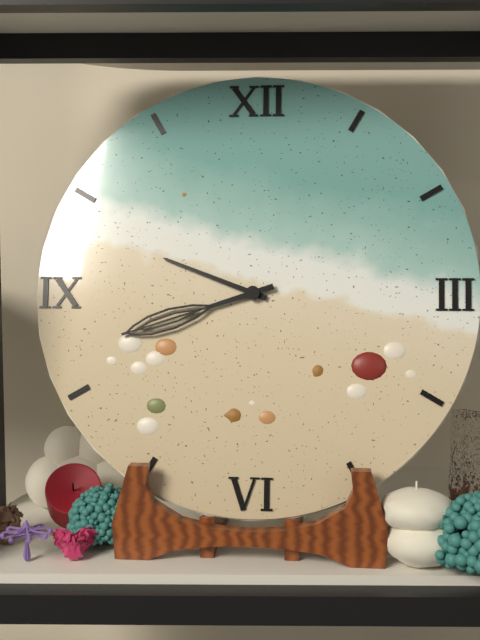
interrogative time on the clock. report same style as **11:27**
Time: **9:42**
